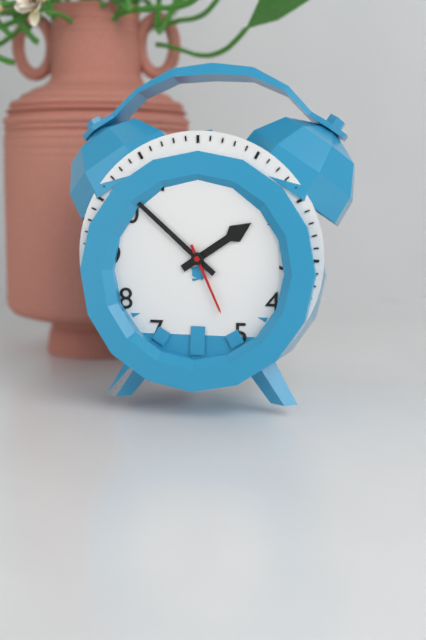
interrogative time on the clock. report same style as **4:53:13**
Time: **1:52:26**
